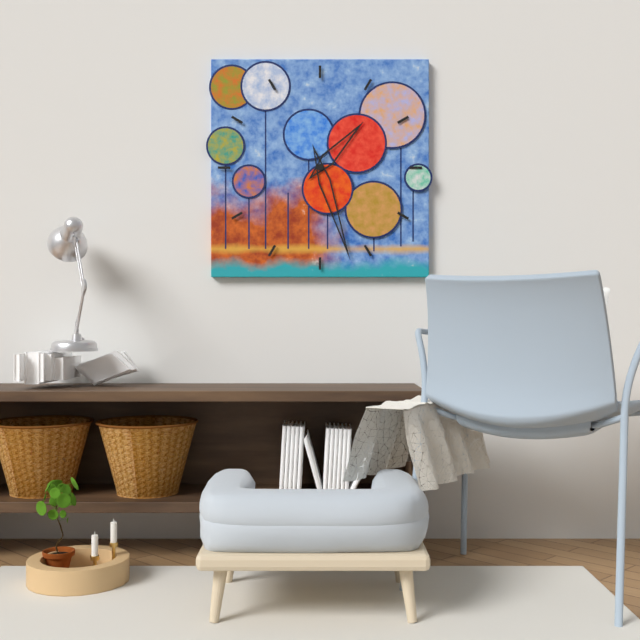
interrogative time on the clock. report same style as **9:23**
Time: **1:27**
